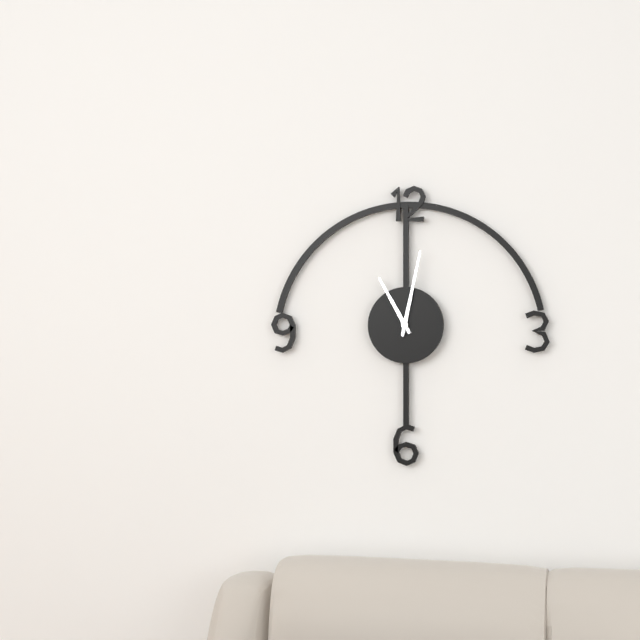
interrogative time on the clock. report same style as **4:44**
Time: **11:02**
